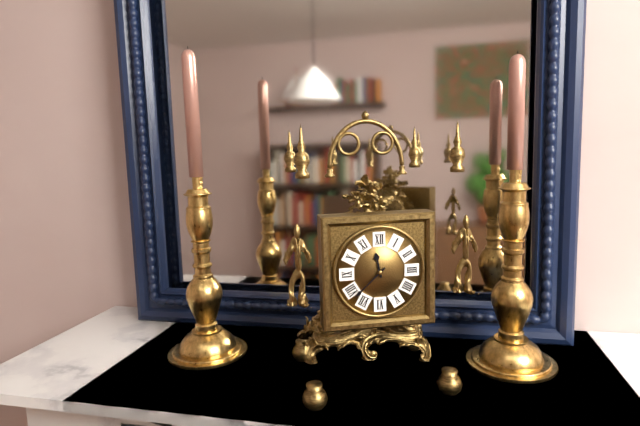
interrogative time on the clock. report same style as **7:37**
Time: **11:38**
